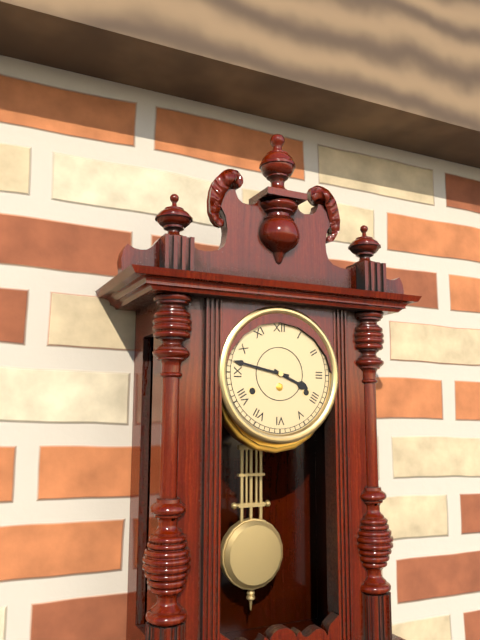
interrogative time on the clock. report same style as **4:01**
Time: **3:47**
